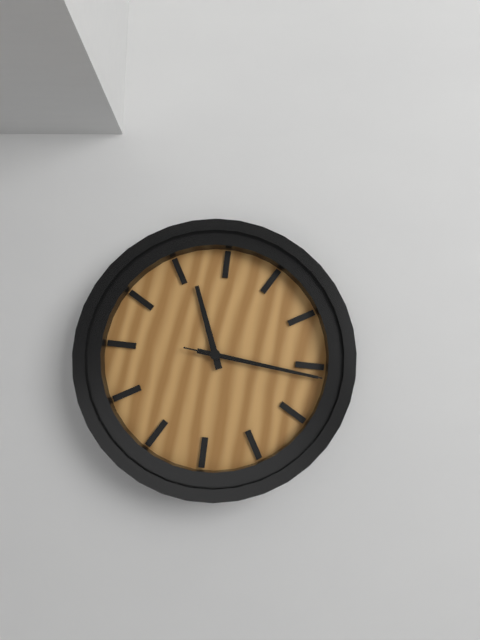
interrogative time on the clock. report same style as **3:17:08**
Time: **11:16:16**
